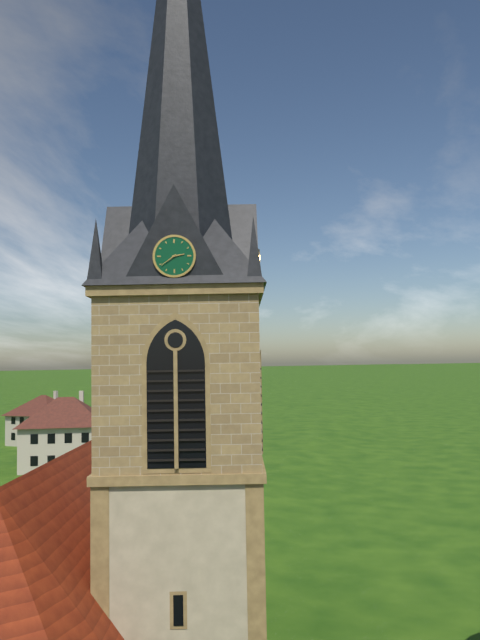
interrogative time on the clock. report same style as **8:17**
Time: **2:39**
